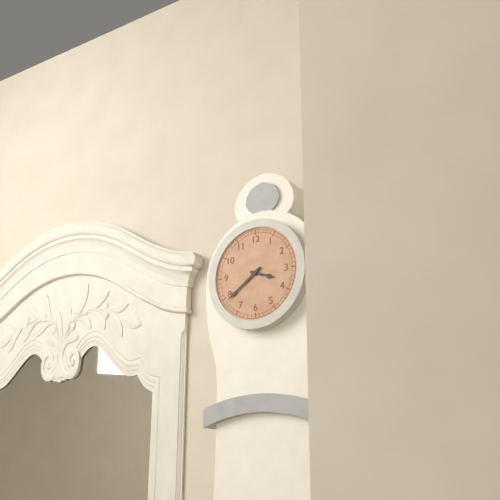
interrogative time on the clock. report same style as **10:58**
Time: **3:39**
